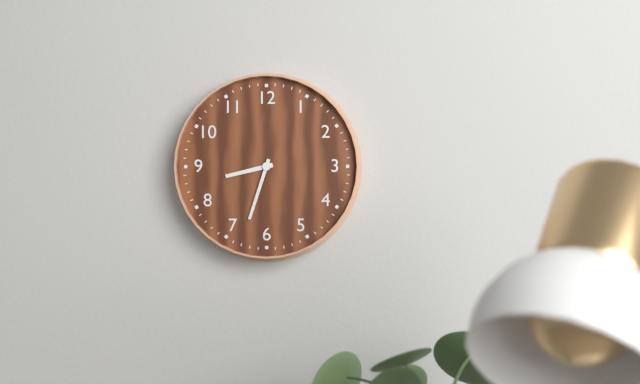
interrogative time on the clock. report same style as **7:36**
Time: **8:33**
